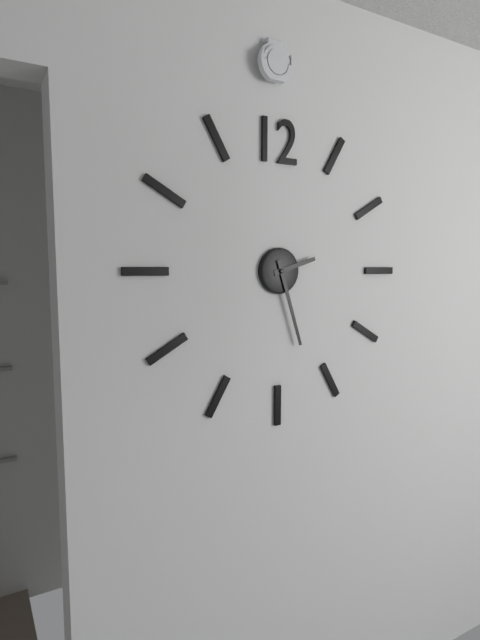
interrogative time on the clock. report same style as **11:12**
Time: **2:27**
